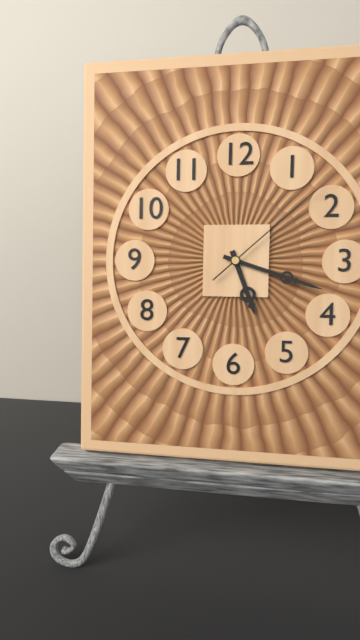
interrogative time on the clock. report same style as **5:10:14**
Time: **5:18:08**
